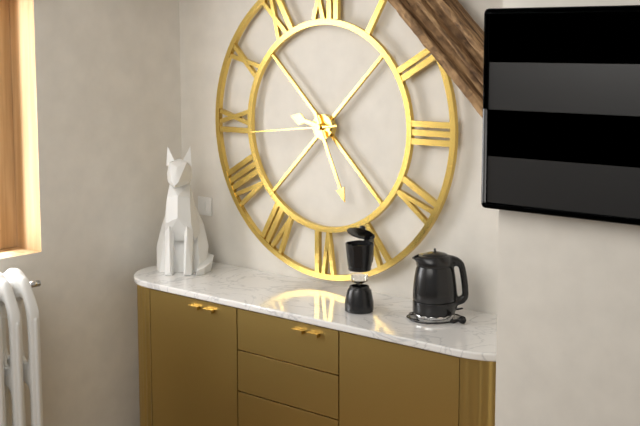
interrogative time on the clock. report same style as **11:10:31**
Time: **9:26:44**
